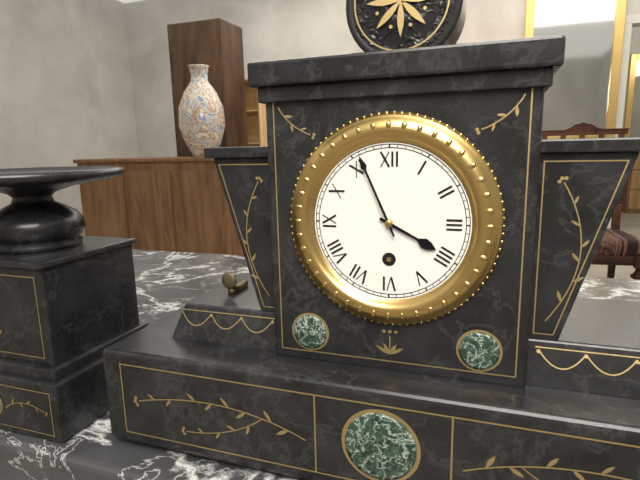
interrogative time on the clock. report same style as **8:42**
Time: **3:56**
